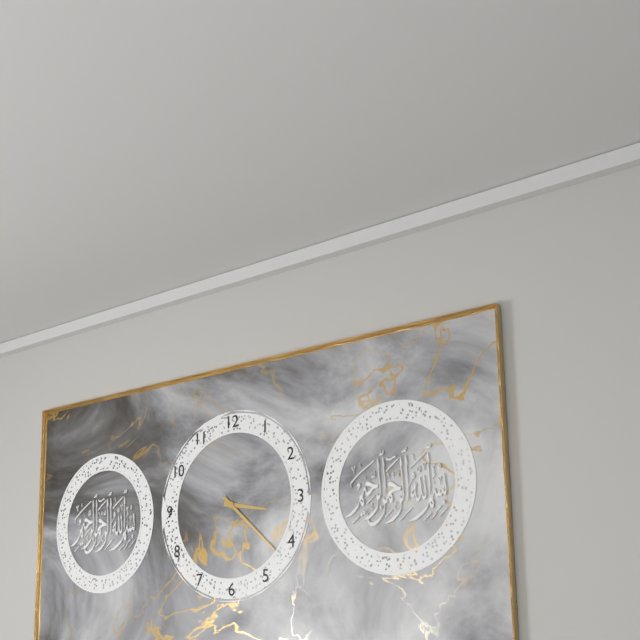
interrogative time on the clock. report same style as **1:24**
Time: **3:22**
